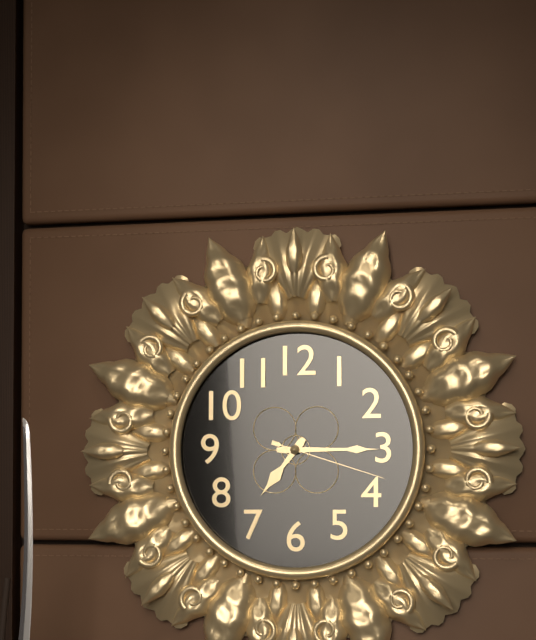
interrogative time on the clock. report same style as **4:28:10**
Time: **7:15:18**
